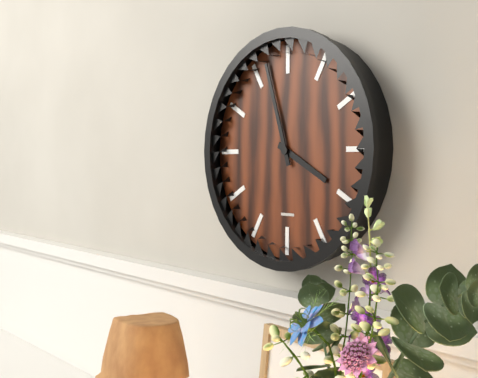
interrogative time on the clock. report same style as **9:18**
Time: **3:57**
